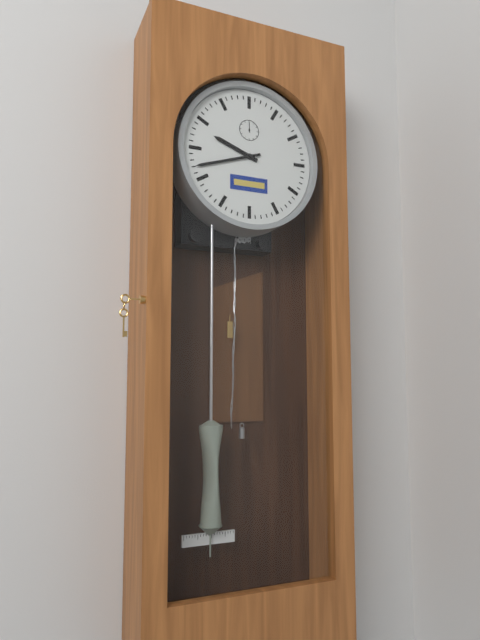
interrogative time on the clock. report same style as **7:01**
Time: **9:42**
